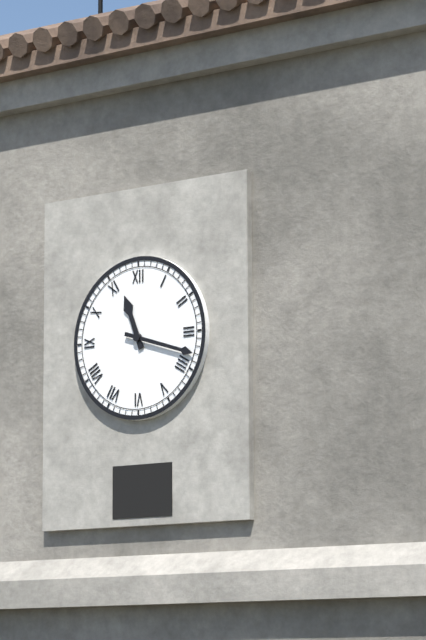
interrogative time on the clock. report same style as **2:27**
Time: **11:18**
